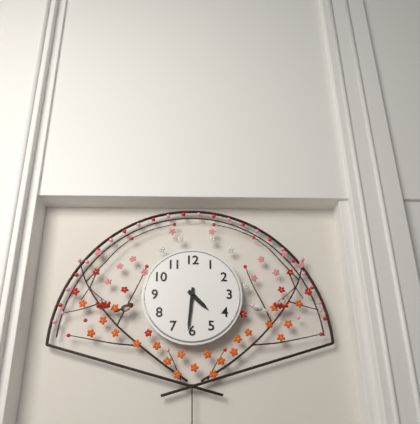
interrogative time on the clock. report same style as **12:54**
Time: **4:31**
